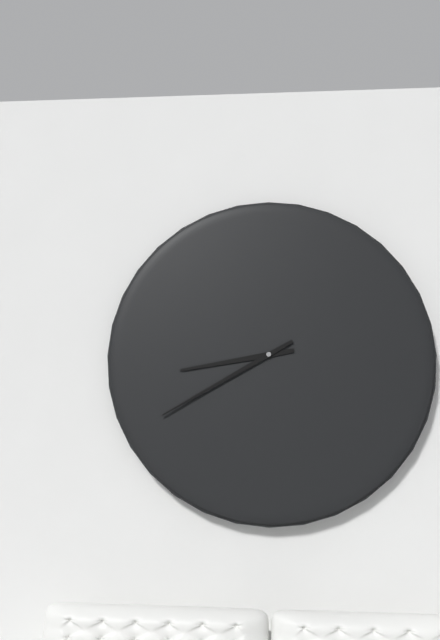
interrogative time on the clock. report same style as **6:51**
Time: **8:40**
